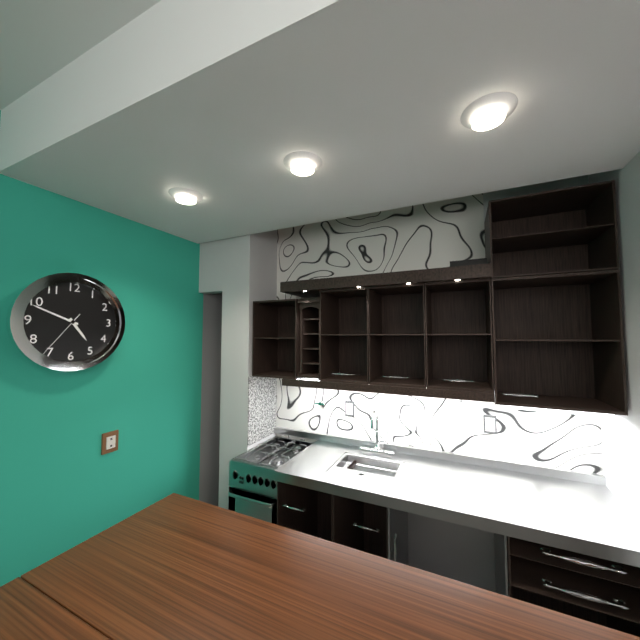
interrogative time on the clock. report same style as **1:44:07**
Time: **4:49:36**
